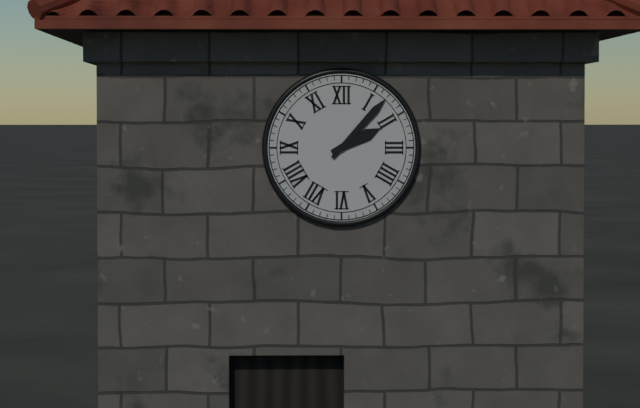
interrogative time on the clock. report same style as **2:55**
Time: **2:07**
